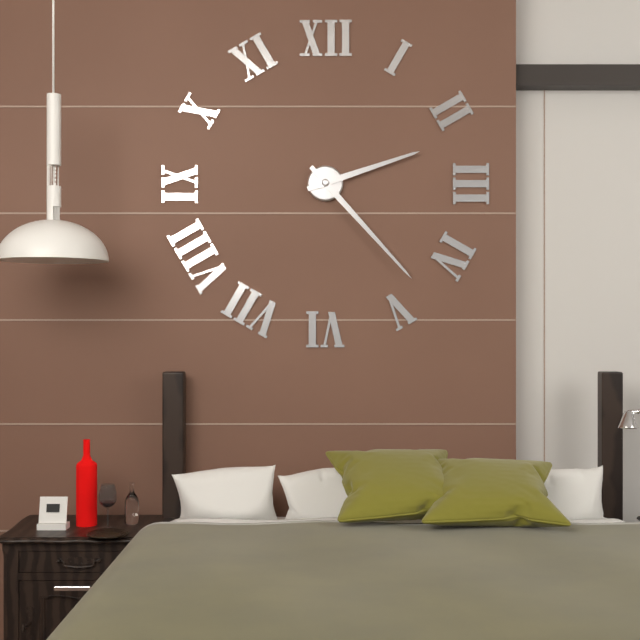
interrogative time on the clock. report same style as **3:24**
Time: **2:23**
